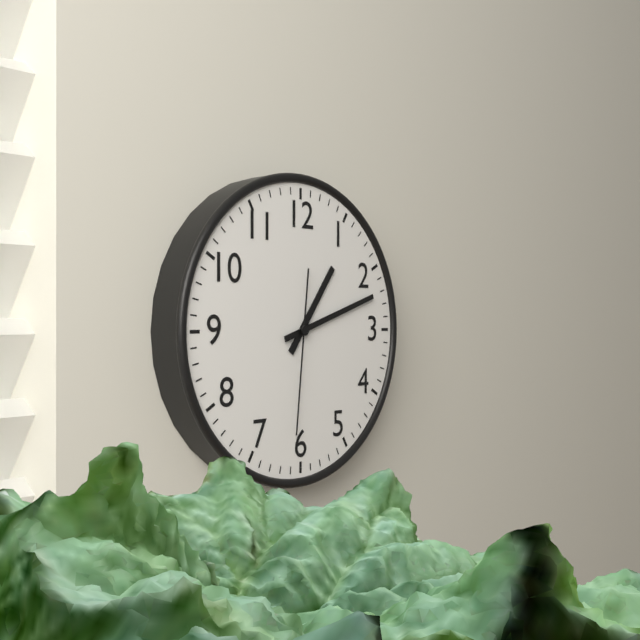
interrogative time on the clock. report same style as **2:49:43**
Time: **1:12:31**
